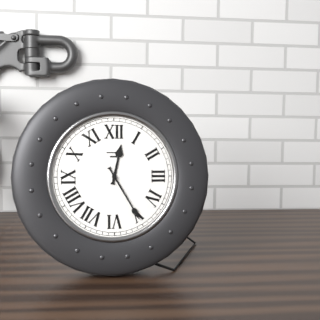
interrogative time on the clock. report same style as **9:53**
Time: **12:25**
